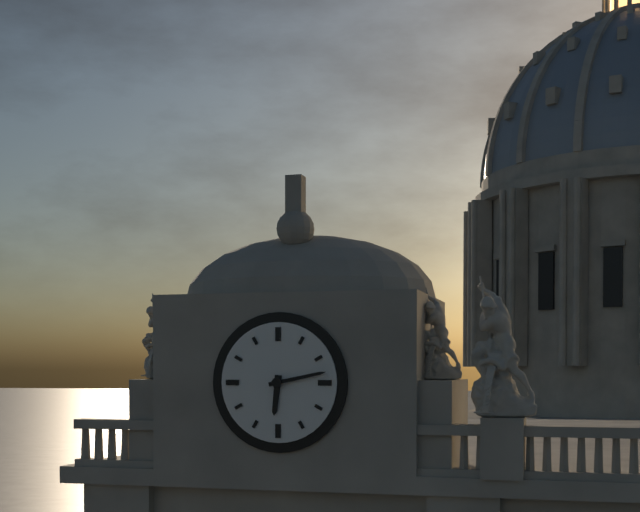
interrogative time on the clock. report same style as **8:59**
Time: **6:13**
